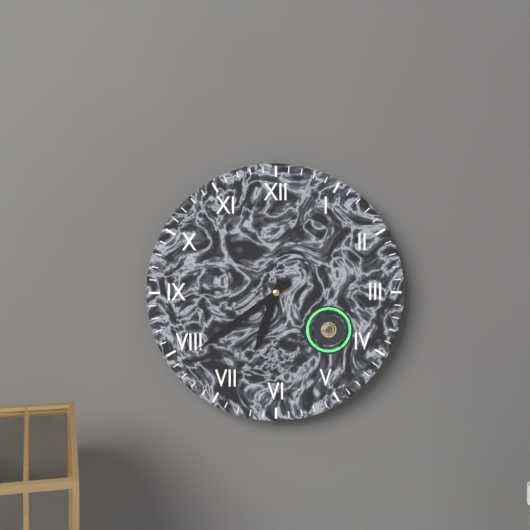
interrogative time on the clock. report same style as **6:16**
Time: **6:39**
